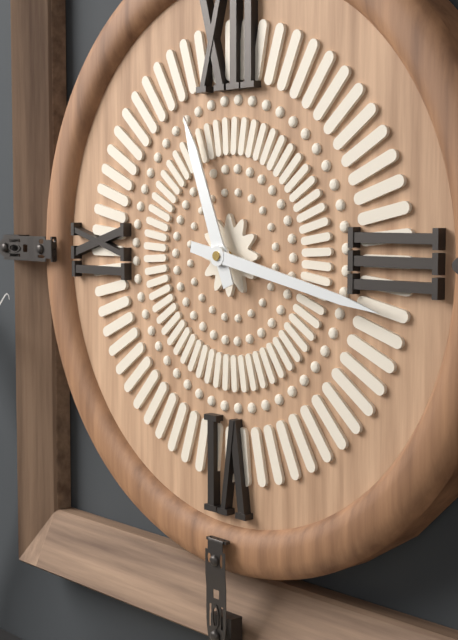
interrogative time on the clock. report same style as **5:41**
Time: **11:17**
